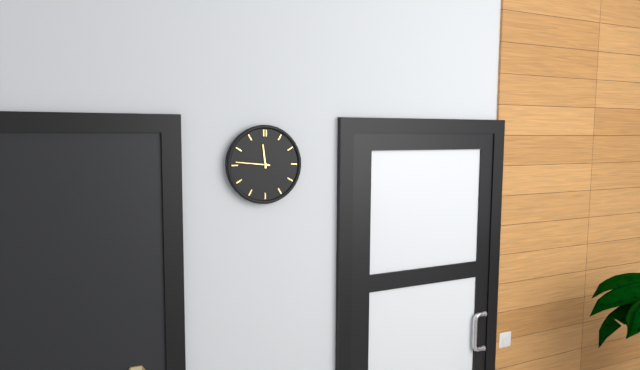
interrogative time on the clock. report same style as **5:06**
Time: **11:46**
